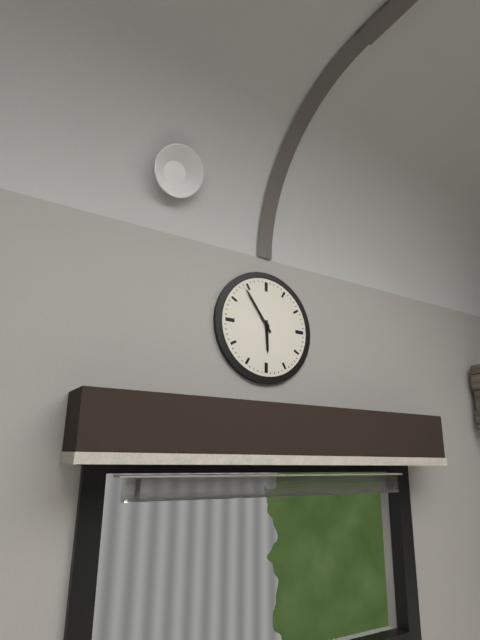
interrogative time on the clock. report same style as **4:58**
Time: **5:54**
